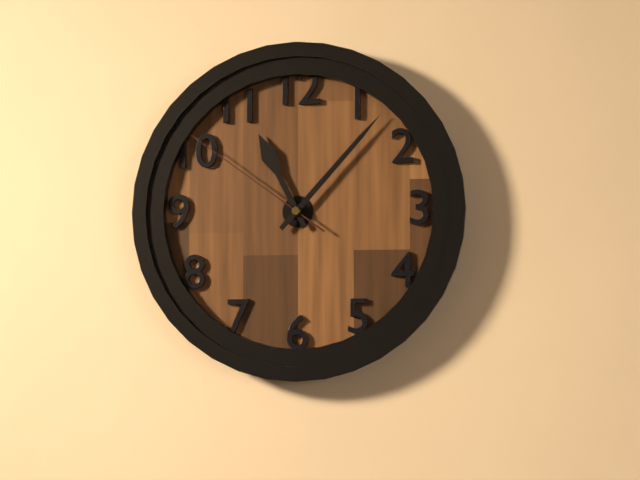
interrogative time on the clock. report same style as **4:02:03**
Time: **11:07:51**
